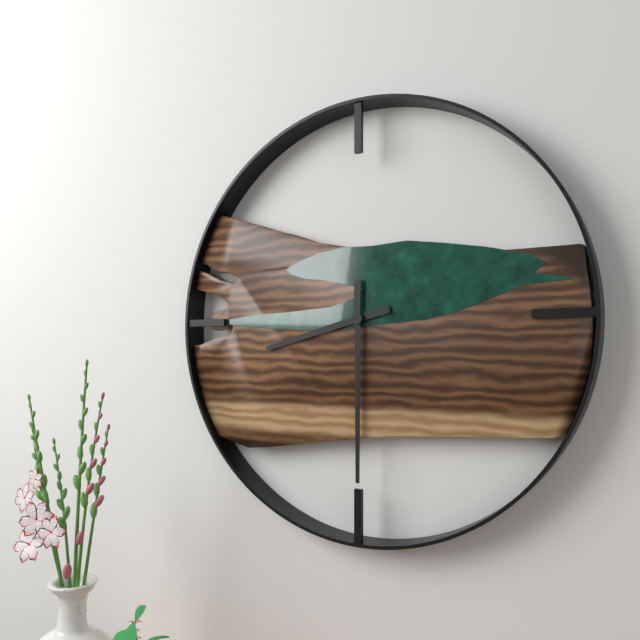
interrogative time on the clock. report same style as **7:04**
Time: **8:30**
